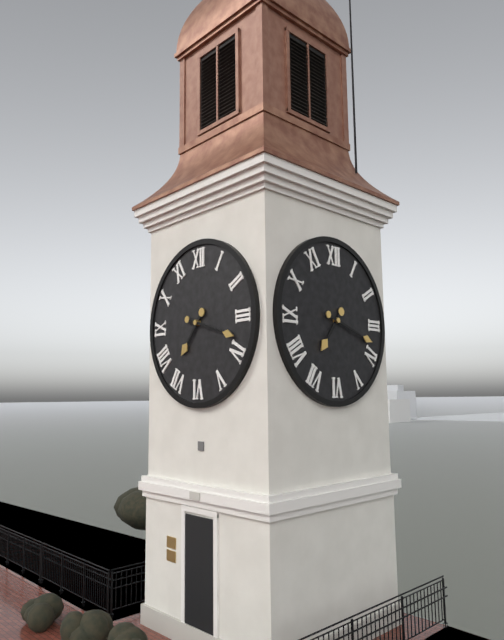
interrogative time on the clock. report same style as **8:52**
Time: **7:18**
